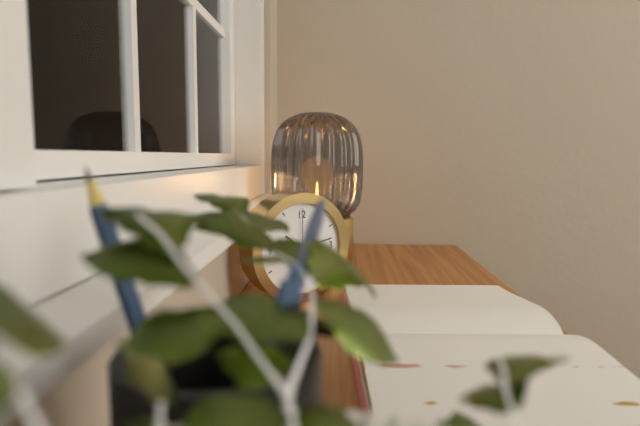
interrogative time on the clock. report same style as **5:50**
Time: **10:13**
